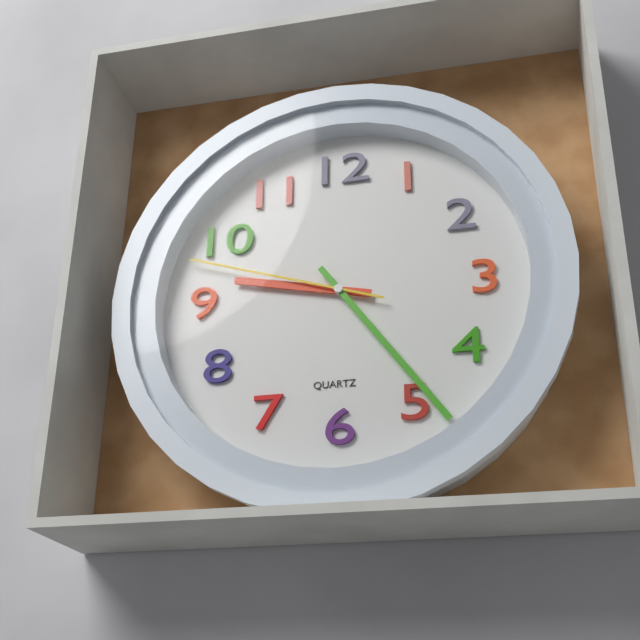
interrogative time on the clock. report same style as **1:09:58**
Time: **9:24:48**
